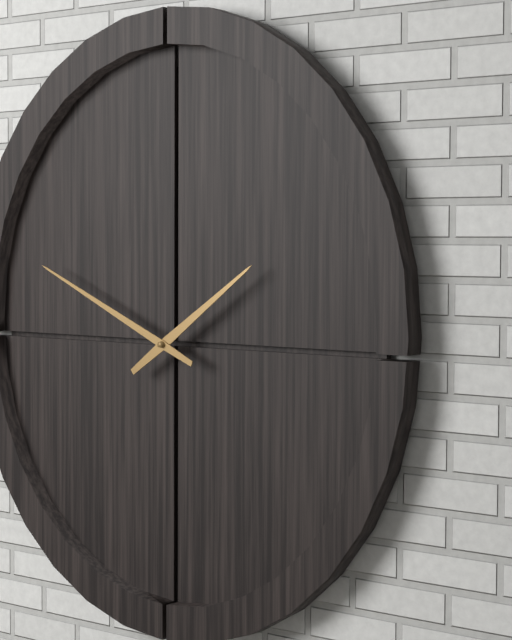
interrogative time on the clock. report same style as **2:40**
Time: **1:49**
